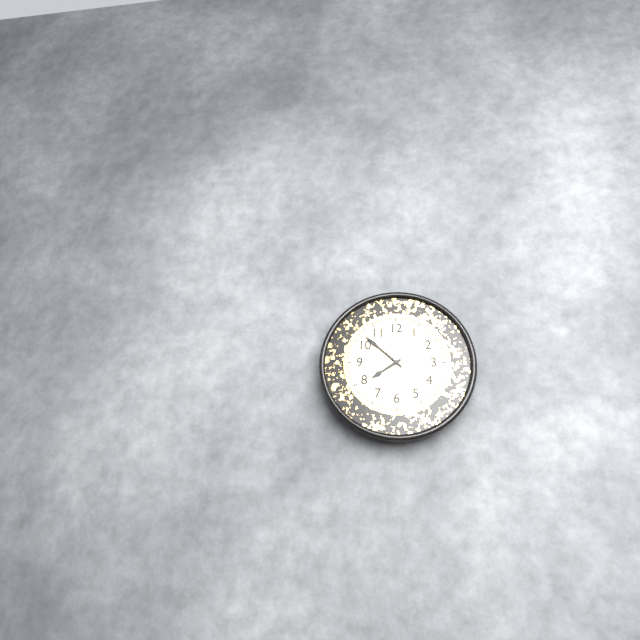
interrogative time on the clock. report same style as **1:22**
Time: **7:52**
